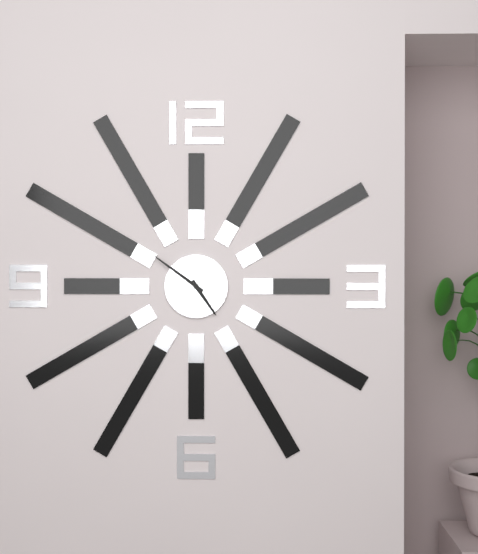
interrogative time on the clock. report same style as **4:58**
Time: **4:51**
